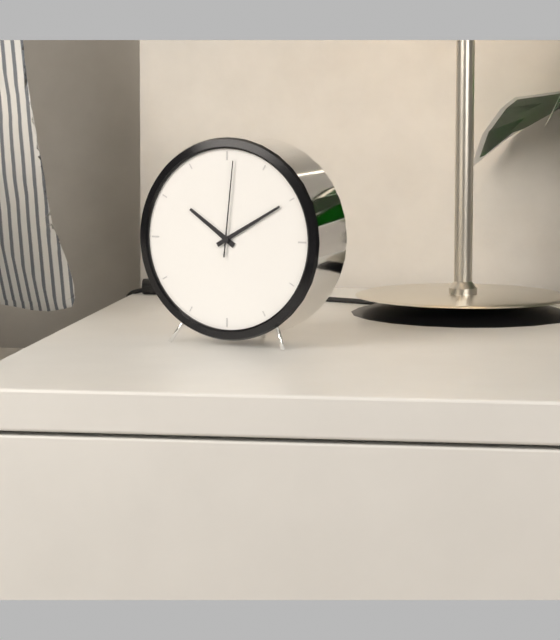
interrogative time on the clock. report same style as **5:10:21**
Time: **10:10:01**
